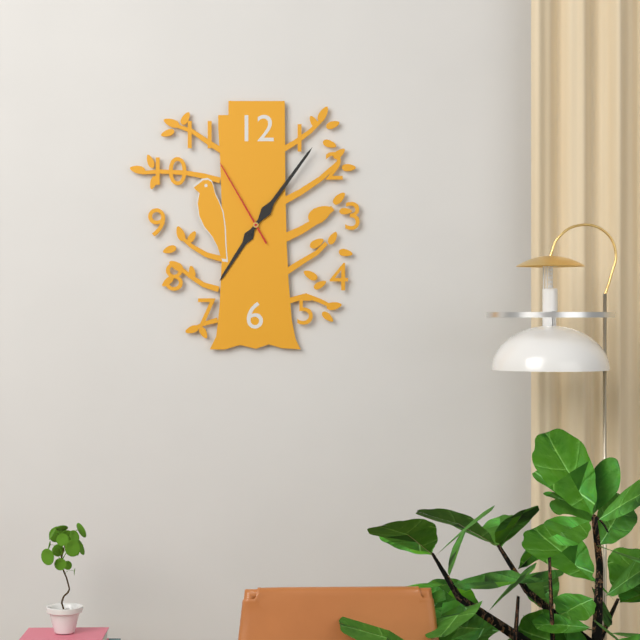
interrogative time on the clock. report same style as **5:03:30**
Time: **7:06:55**
